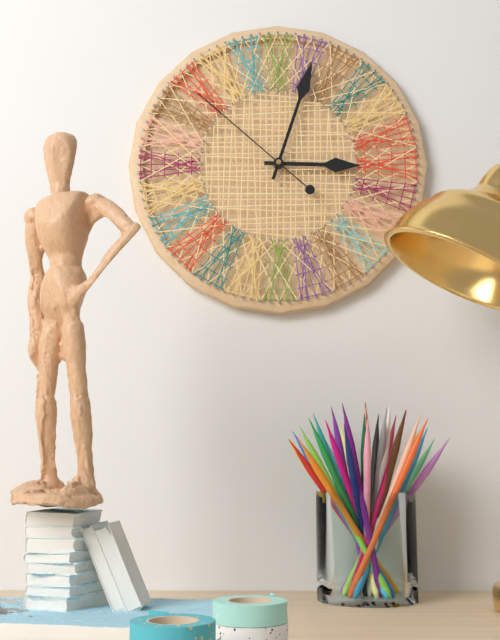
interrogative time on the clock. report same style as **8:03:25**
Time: **3:03:52**
